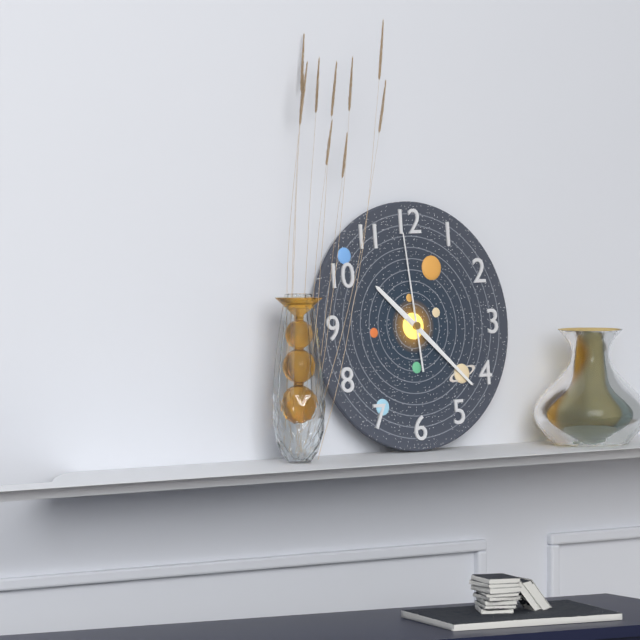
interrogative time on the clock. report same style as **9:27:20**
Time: **10:22:59**
